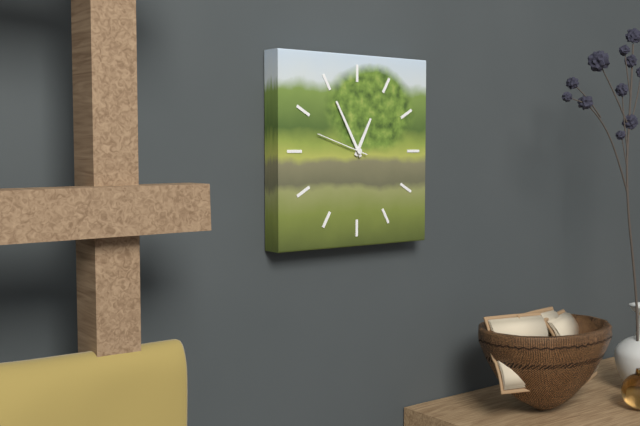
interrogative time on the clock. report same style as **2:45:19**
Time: **12:55:48**
